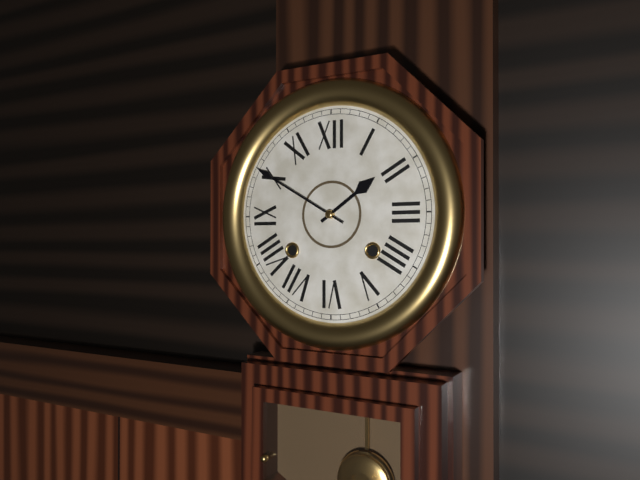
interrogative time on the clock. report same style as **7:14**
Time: **1:50**
